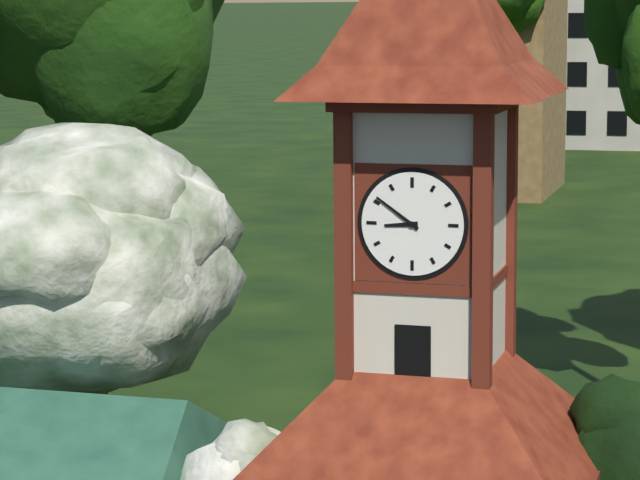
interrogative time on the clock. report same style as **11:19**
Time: **8:51**
